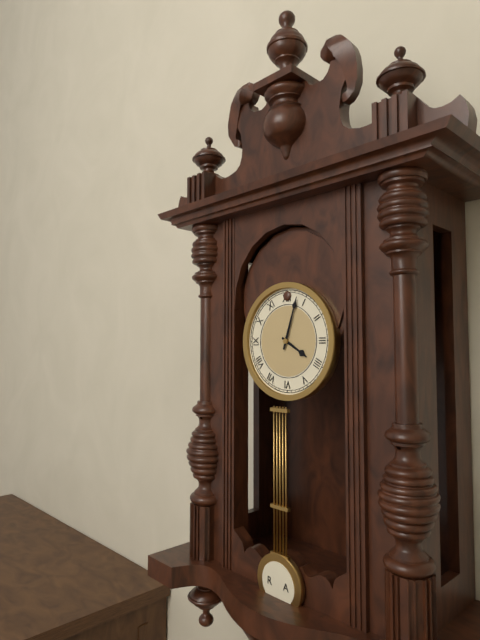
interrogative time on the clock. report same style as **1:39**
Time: **4:03**
